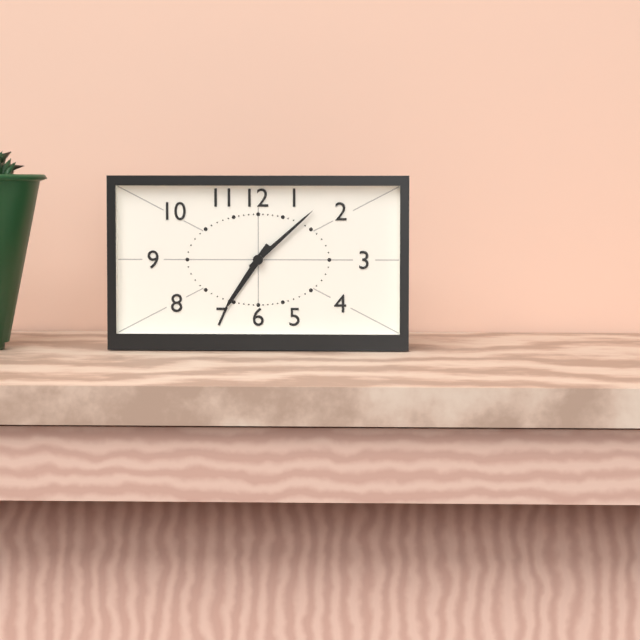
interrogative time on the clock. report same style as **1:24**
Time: **7:08**
